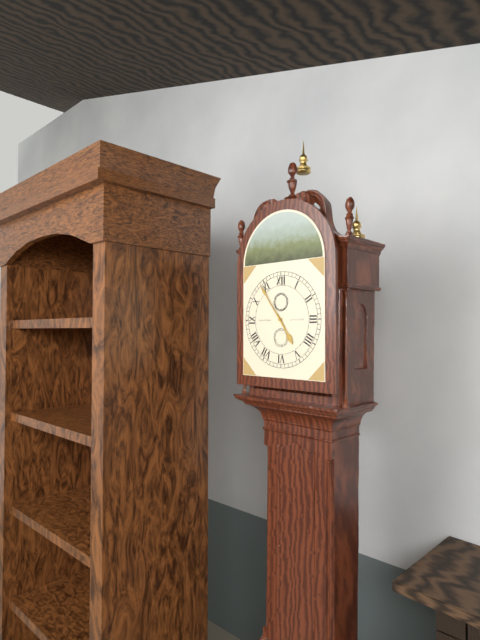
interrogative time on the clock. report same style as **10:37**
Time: **4:54**
